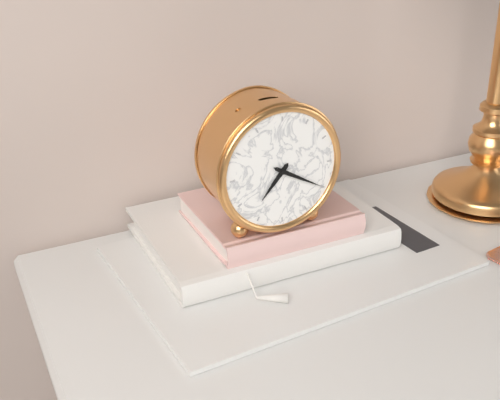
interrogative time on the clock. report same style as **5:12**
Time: **7:20**
